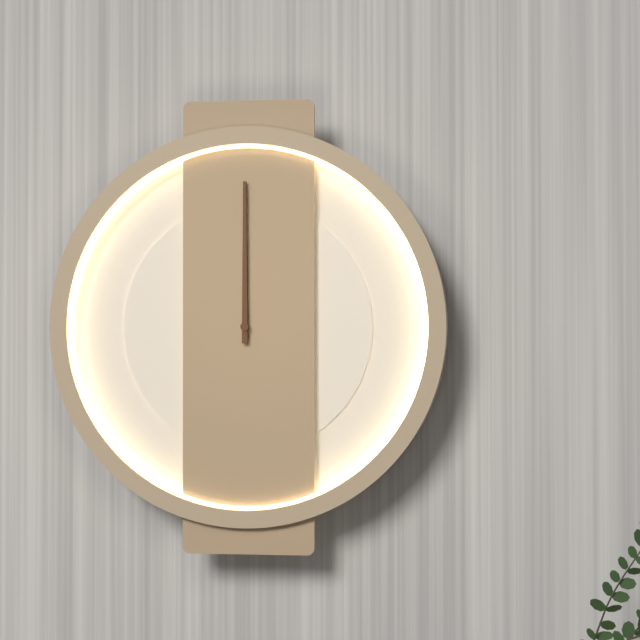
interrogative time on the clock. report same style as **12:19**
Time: **12:00**
